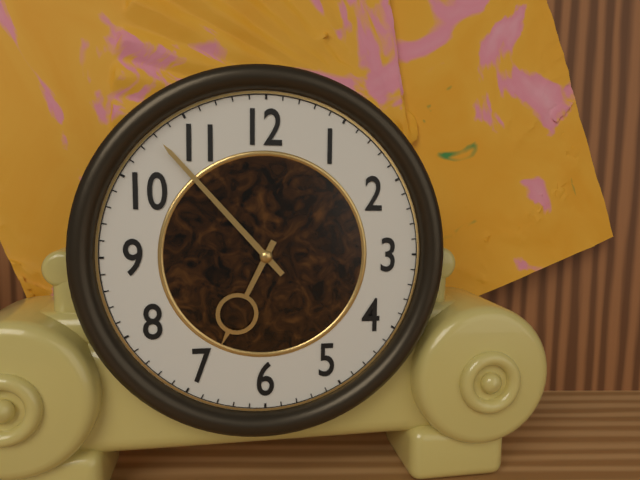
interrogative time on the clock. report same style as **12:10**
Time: **6:53**
